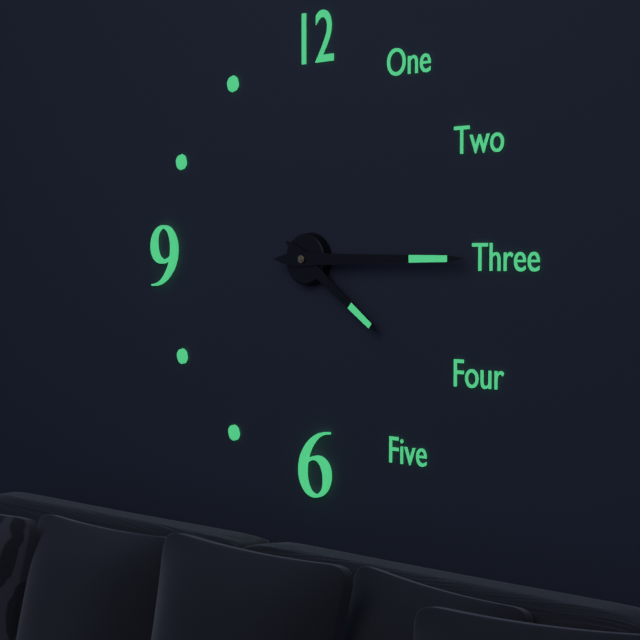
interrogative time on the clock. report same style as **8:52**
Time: **4:15**
